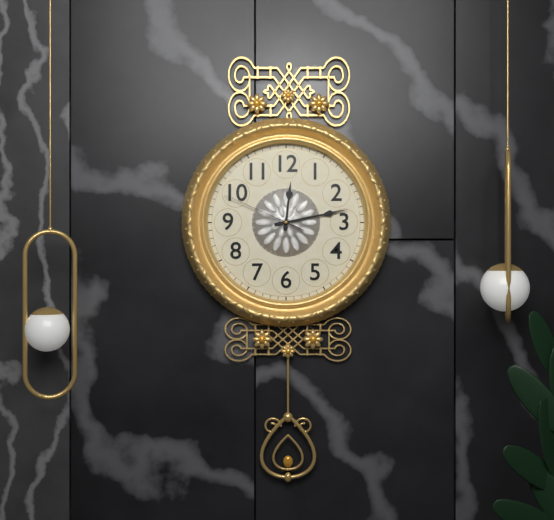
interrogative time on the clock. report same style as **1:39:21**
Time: **12:13:49**
